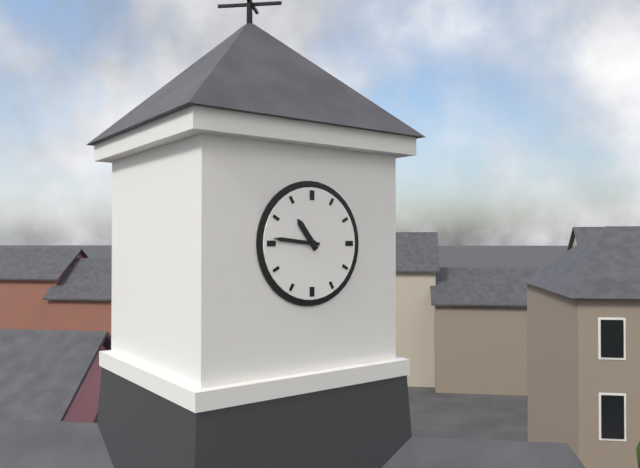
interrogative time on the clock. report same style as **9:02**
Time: **10:46**
